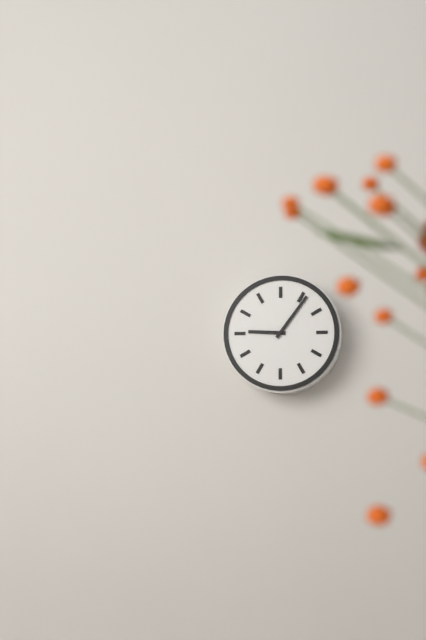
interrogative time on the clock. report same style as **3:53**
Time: **9:06**
